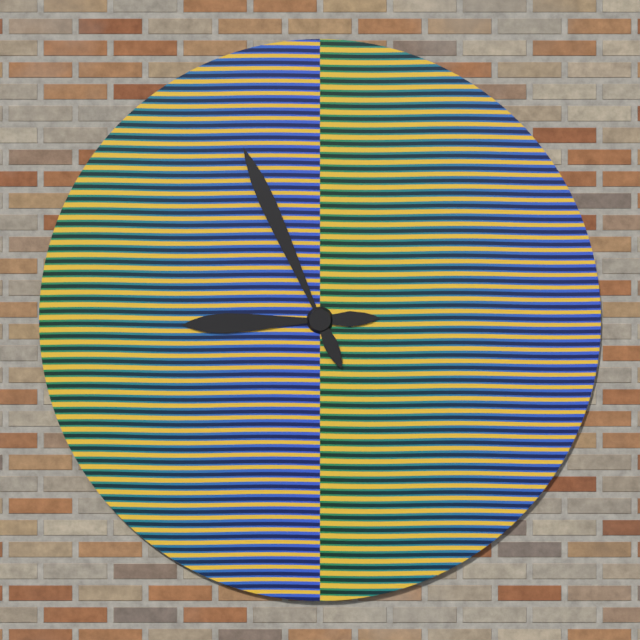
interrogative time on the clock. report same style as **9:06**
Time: **8:56**
